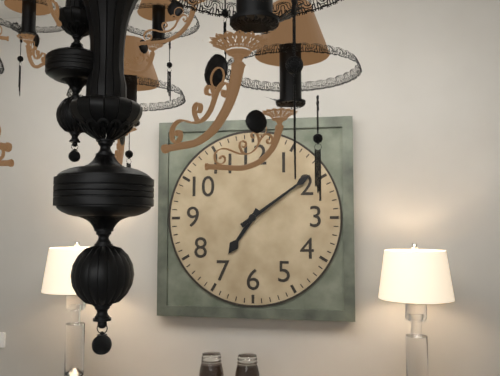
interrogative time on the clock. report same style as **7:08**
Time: **7:09**
